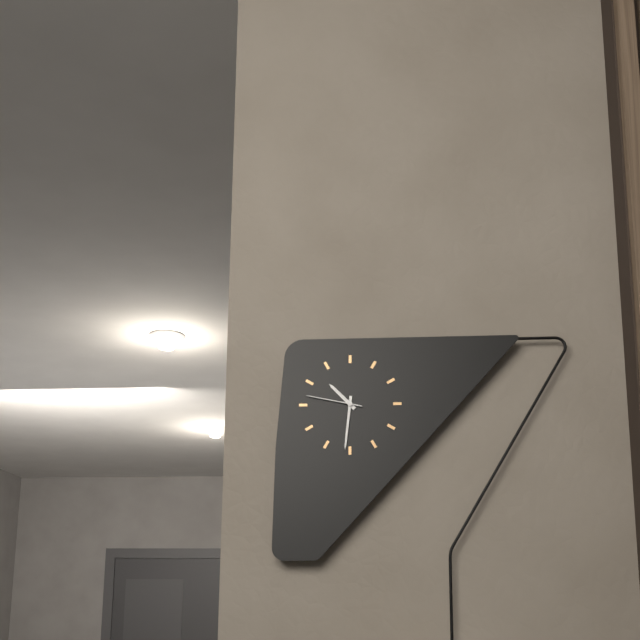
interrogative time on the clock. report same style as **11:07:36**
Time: **10:31:47**
